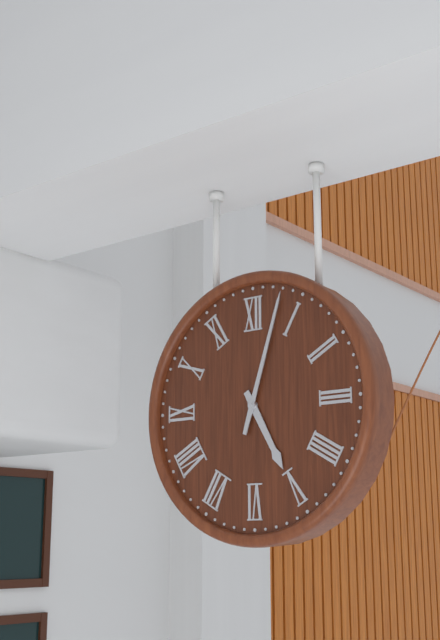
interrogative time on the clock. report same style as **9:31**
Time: **5:03**
